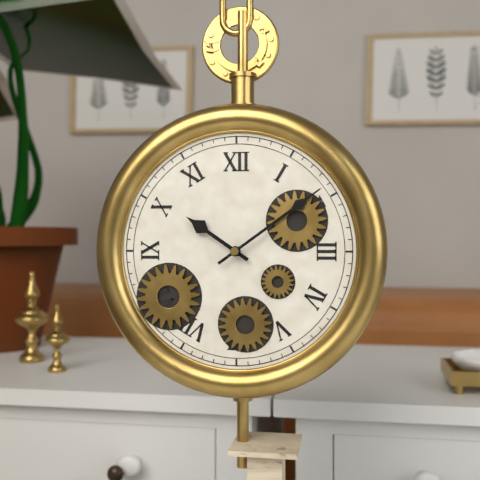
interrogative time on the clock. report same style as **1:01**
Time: **10:09**
